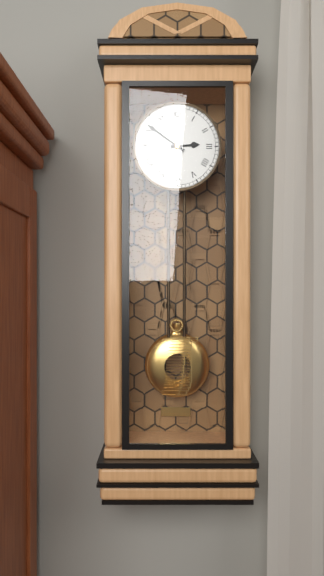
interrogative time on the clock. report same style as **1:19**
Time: **2:51**
